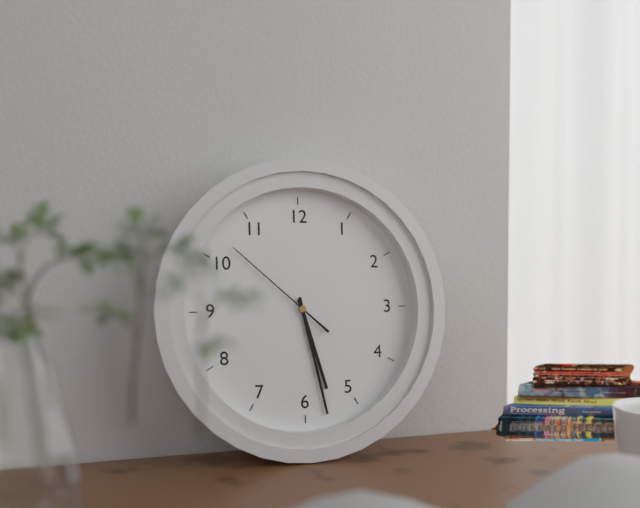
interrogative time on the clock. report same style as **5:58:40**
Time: **5:28:52**
